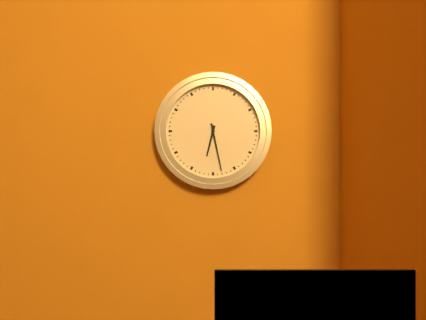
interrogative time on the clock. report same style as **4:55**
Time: **6:28**
